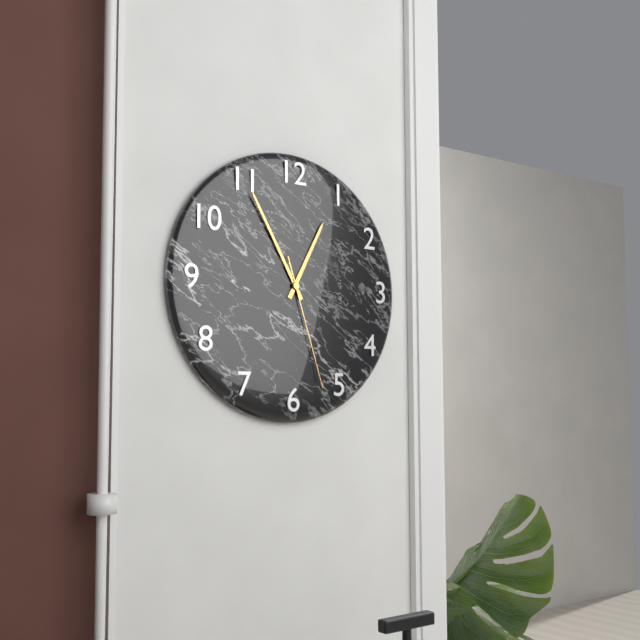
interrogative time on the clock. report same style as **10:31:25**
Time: **12:55:27**
